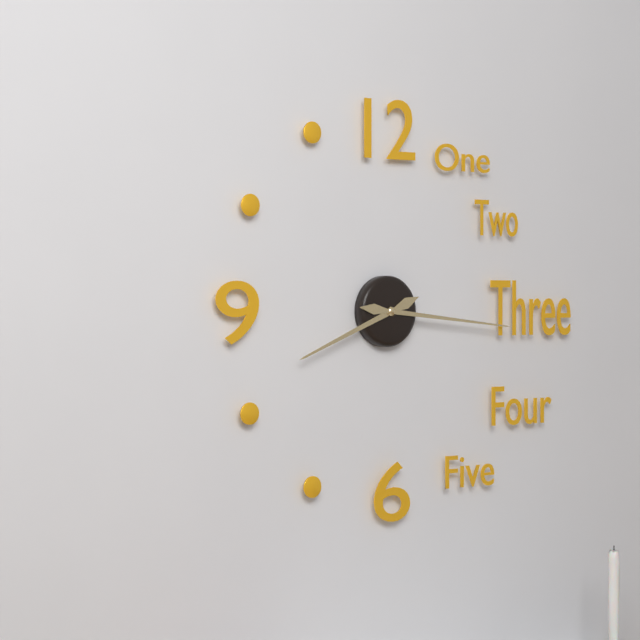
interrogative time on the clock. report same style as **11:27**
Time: **8:16**
